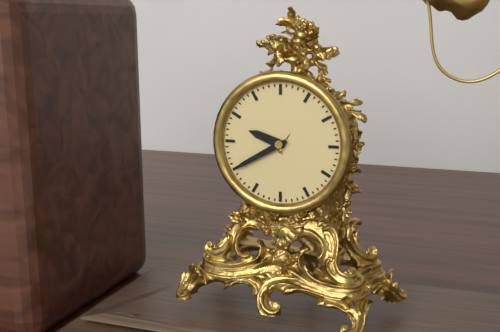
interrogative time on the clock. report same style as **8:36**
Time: **9:40**
